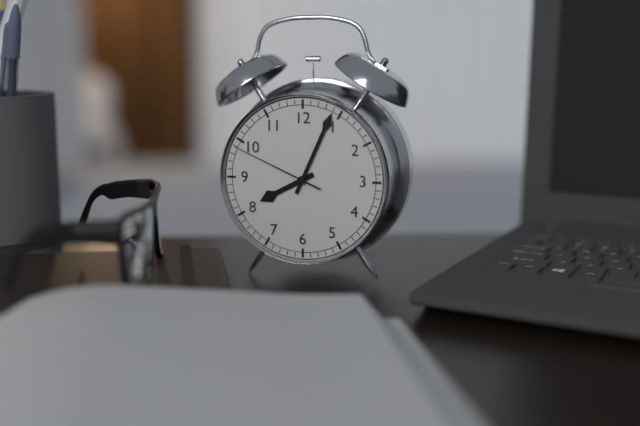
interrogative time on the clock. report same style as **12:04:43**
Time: **8:04:49**
